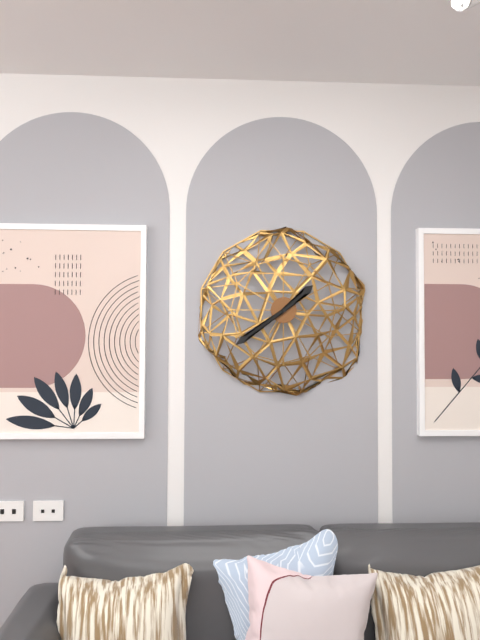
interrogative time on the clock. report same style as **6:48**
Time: **1:39**
